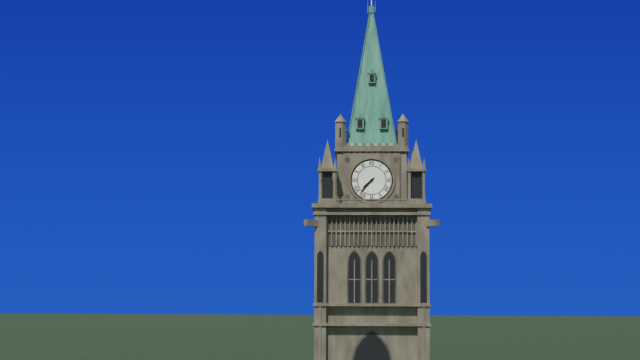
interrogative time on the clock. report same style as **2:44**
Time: **7:37**
